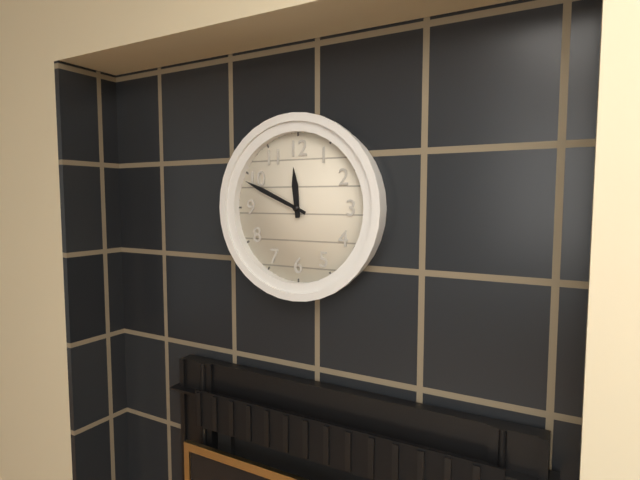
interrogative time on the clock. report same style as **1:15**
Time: **11:49**
